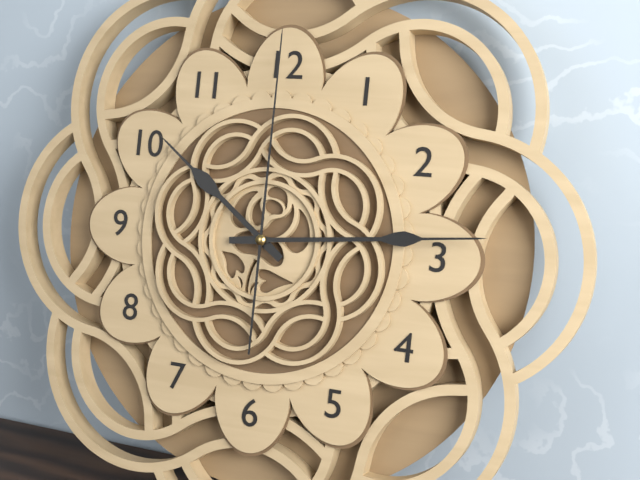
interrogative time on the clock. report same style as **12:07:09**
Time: **10:14:00**
